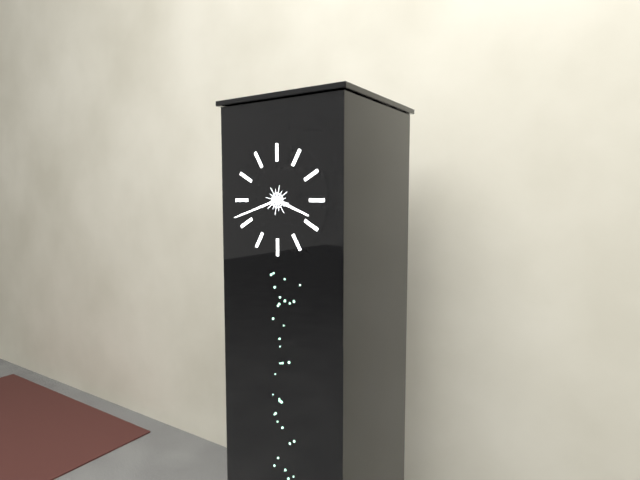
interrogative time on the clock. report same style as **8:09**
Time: **3:42**
